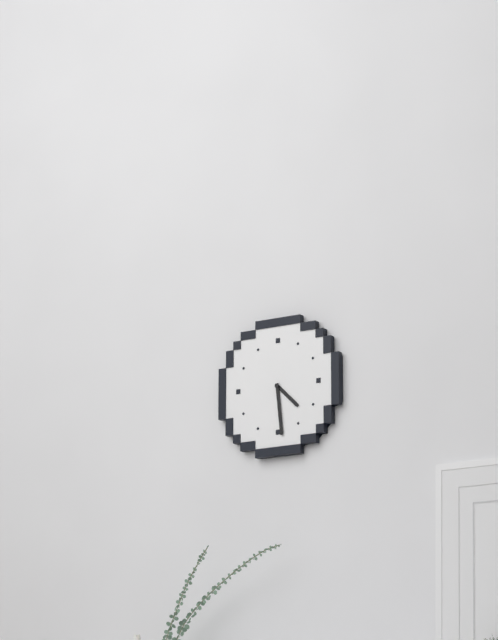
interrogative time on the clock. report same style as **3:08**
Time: **4:29**
